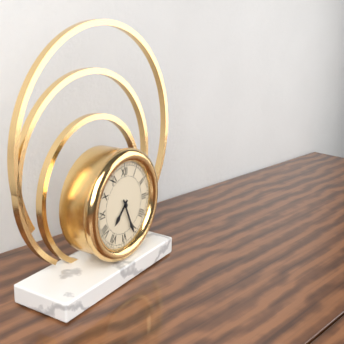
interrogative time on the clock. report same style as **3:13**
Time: **7:26**
